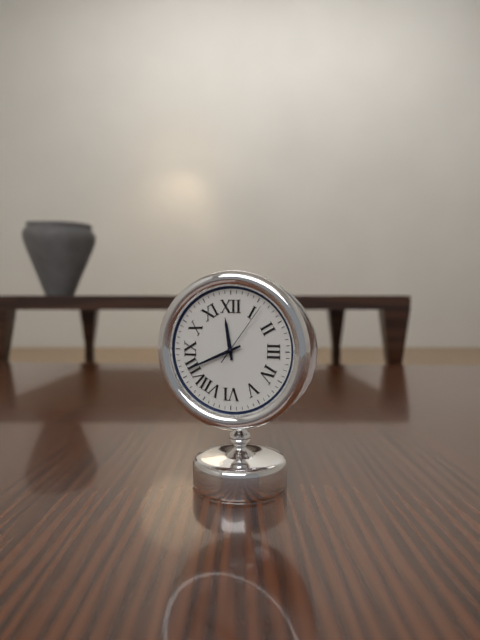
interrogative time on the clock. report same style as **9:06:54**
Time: **11:41:06**
